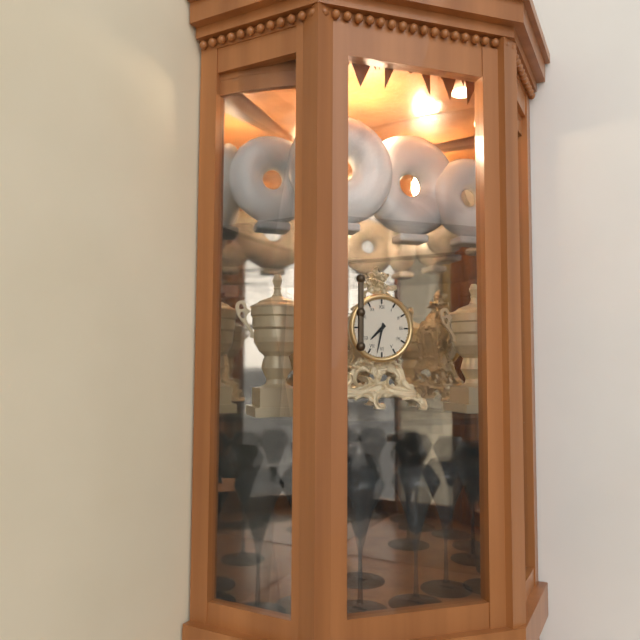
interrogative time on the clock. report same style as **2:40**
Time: **7:32**
